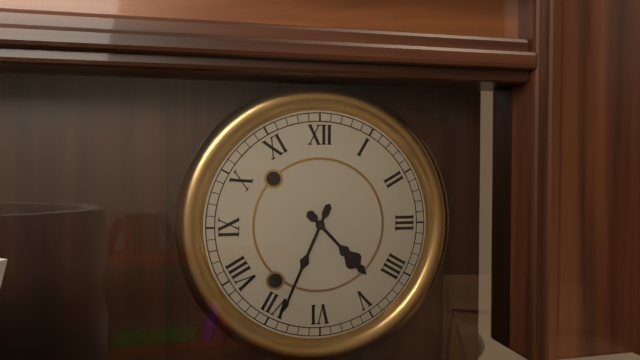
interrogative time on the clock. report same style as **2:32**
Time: **4:34**
